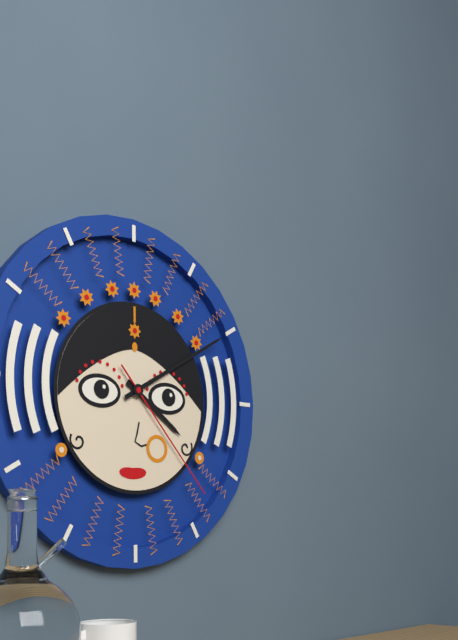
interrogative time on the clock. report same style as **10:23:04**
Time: **4:10:23**
